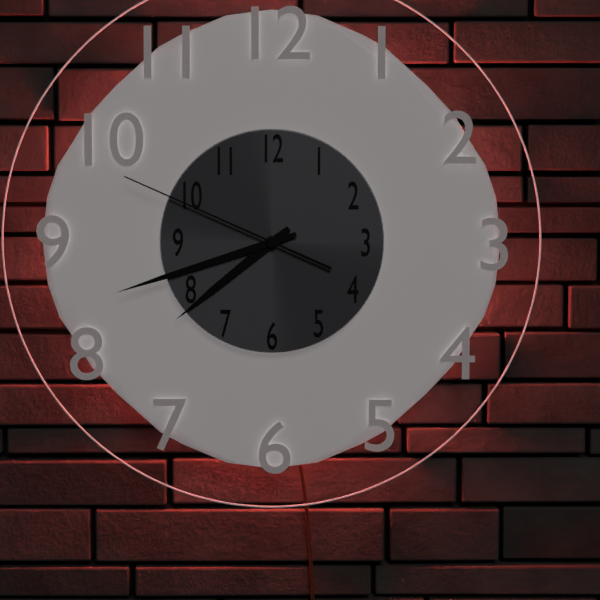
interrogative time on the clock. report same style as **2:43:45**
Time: **7:42:49**
